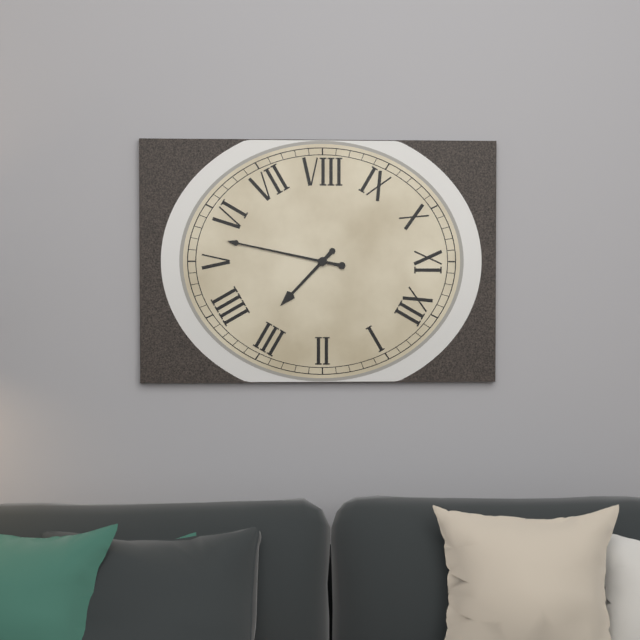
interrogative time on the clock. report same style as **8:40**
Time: **3:27**
